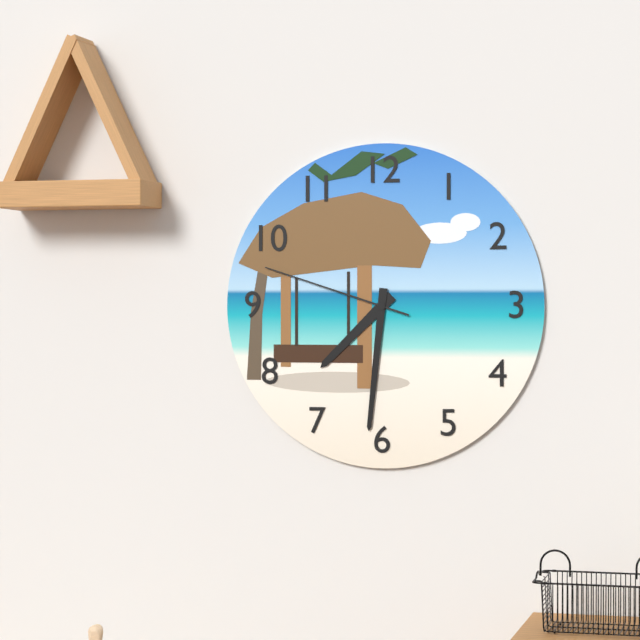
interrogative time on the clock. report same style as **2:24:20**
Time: **7:31:48**
